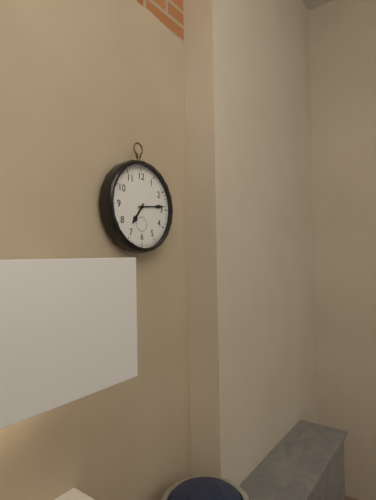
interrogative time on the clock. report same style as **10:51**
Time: **7:14**
